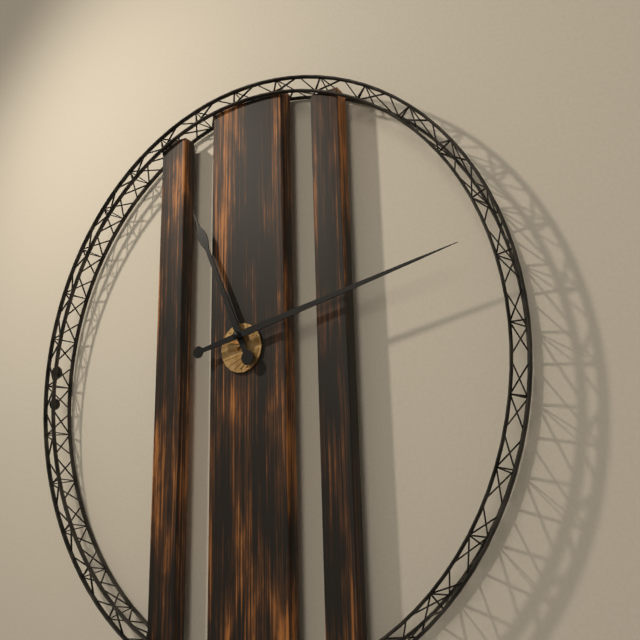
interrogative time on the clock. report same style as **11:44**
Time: **11:13**
